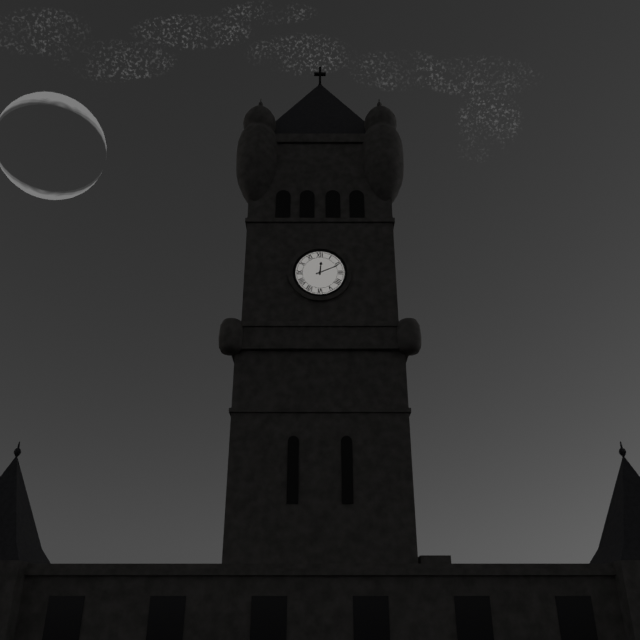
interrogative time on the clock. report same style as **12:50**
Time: **12:11**
